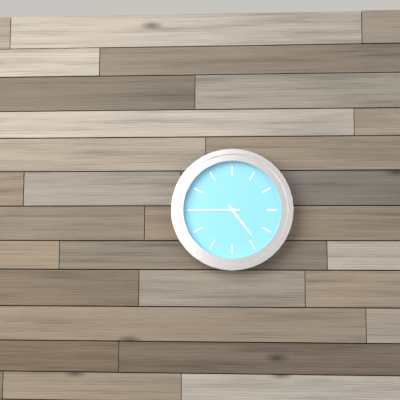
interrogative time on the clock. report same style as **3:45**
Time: **4:45**
